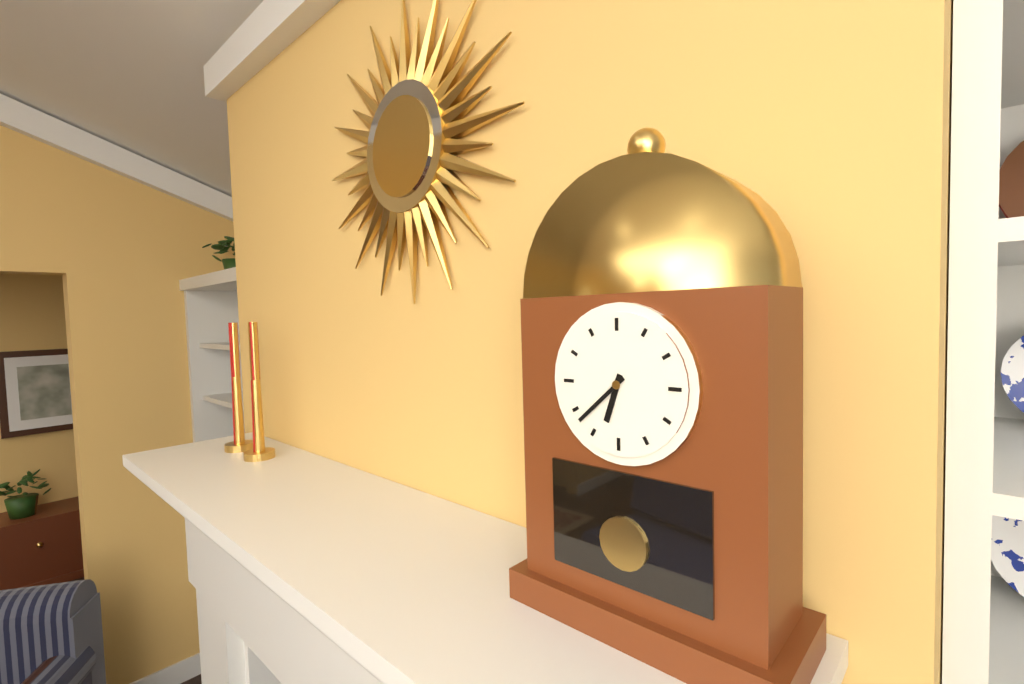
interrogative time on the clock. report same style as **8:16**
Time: **6:38**
